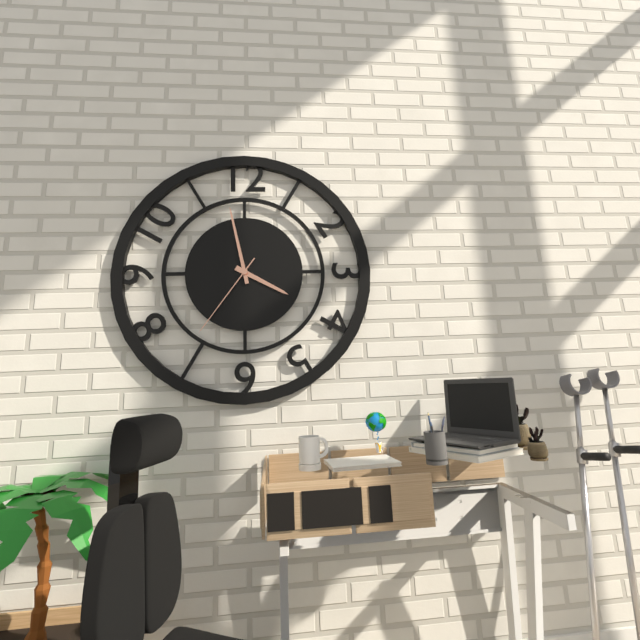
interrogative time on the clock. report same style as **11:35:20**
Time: **3:58:36**
